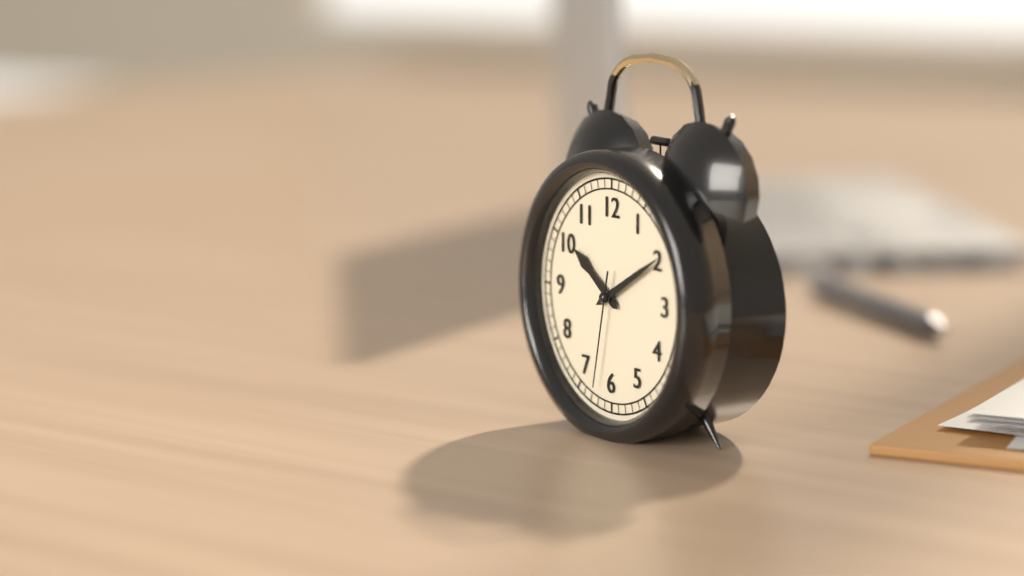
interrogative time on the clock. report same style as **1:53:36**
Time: **10:10:32**
